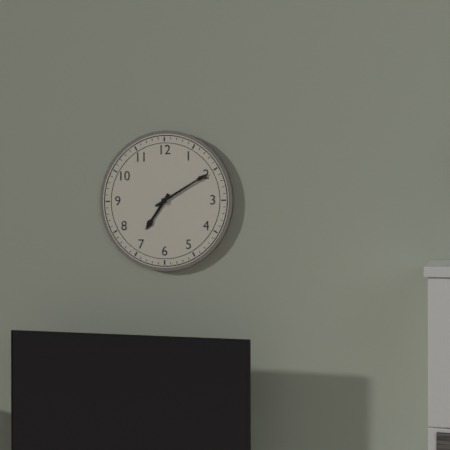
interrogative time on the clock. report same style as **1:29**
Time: **7:10**
